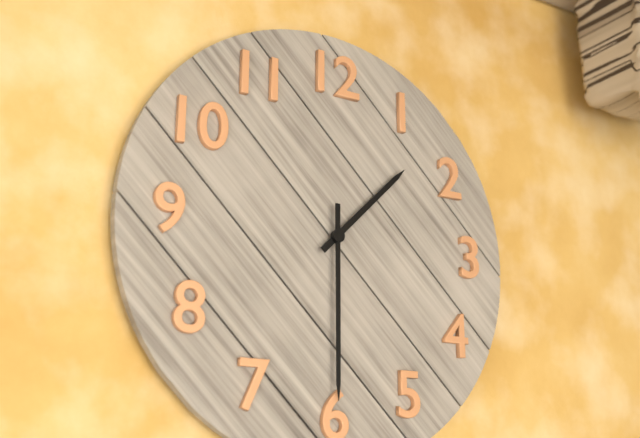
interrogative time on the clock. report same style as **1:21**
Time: **1:30**
